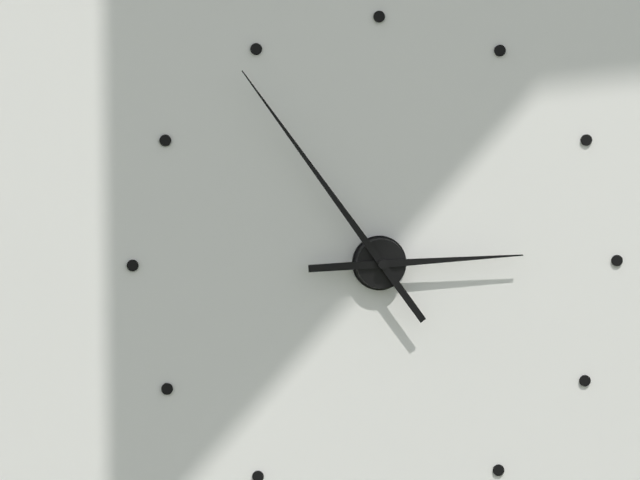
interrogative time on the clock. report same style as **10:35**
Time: **2:54**
